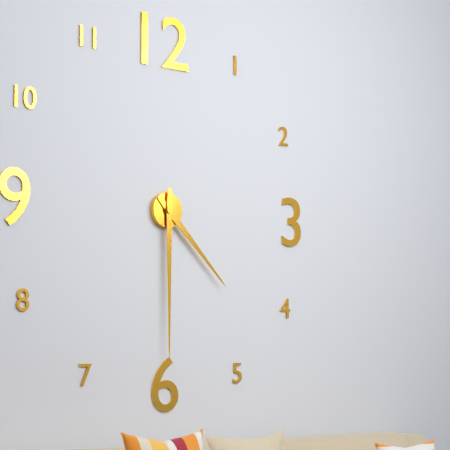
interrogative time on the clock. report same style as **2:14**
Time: **4:30**
